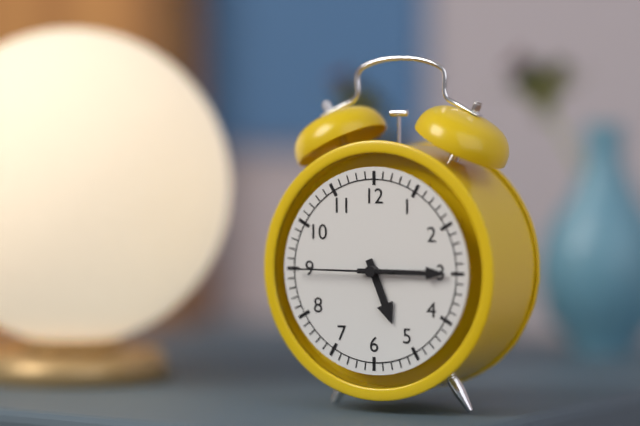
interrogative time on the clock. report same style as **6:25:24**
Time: **5:15:45**
